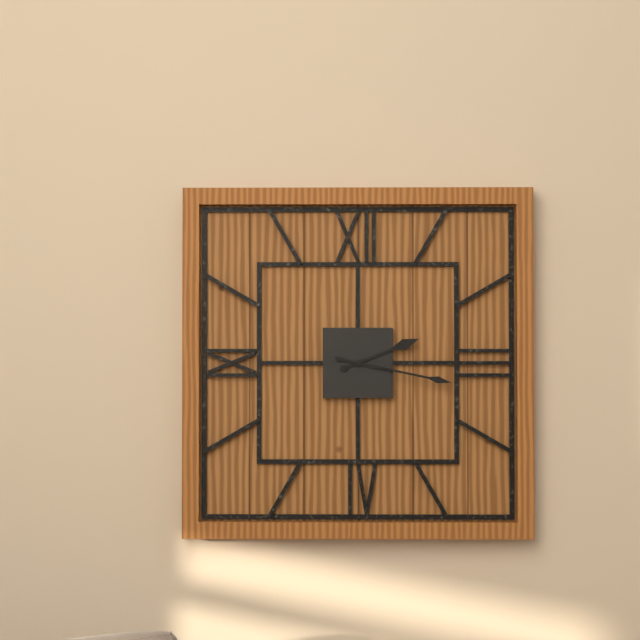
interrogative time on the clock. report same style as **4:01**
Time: **2:17**
